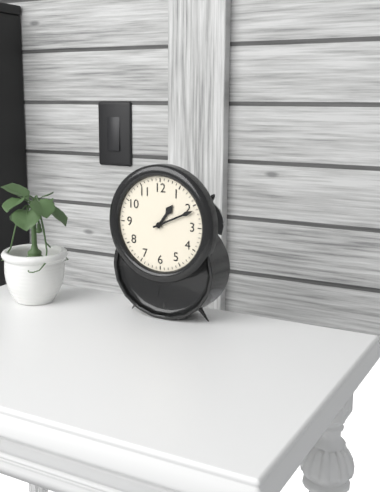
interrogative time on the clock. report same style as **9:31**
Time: **1:11**
